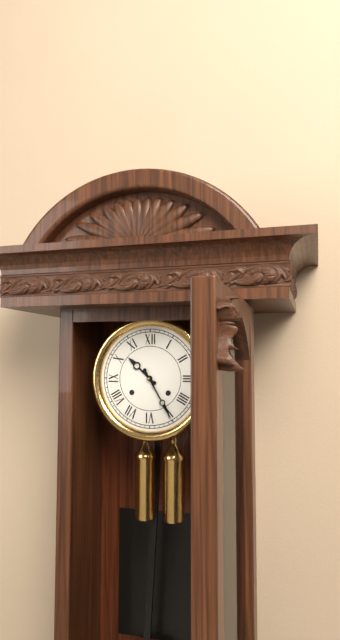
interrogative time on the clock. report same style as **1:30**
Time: **10:25**
